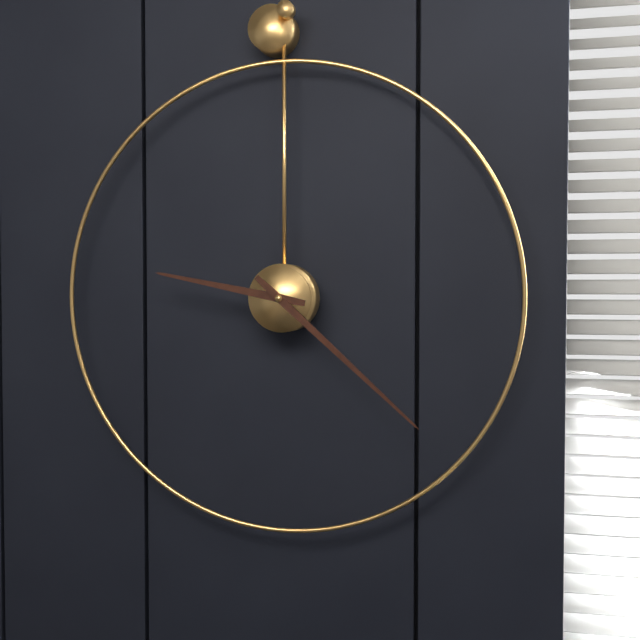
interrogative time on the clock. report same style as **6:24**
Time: **9:22**
